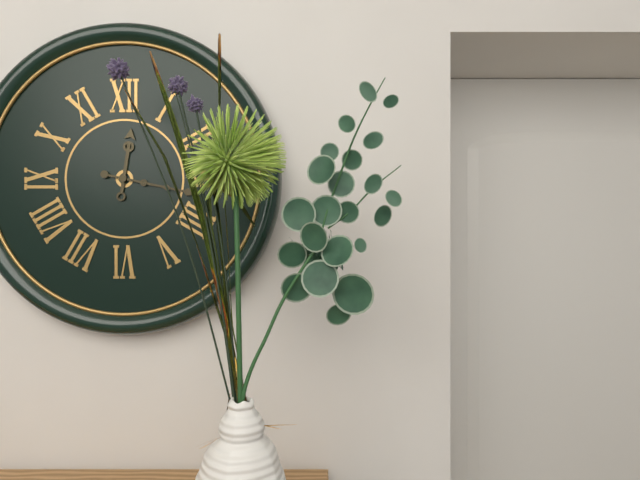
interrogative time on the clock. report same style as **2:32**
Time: **12:17**
